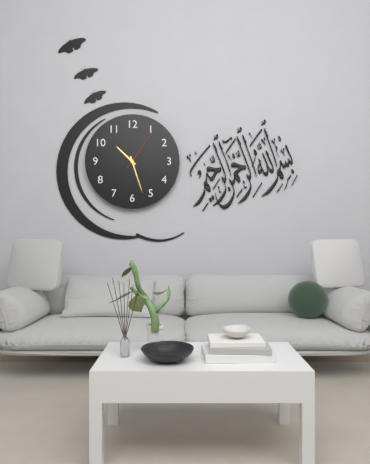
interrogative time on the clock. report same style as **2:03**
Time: **10:27**
